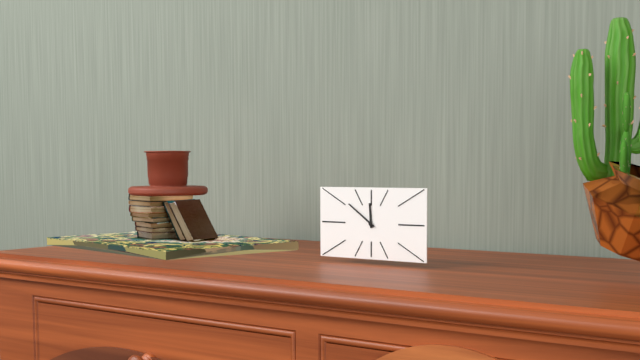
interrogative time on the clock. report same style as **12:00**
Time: **11:51**
